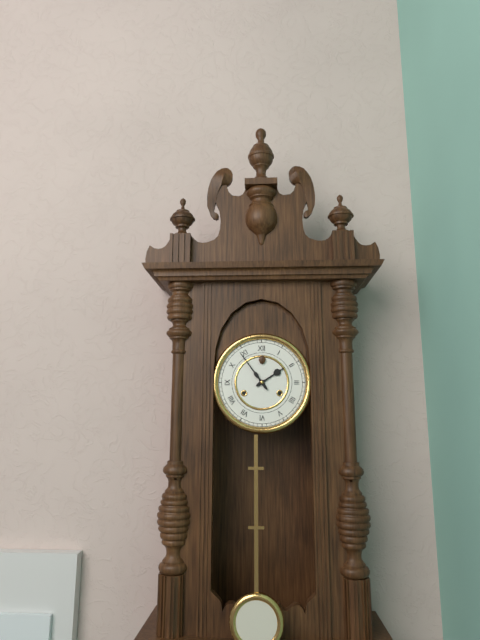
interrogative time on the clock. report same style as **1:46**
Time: **1:54**
